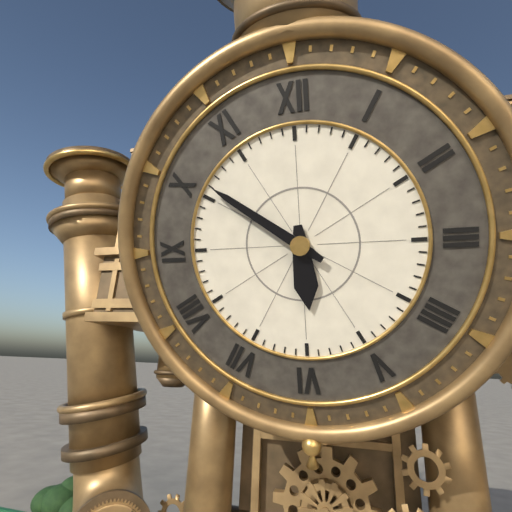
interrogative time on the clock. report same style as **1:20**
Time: **5:51**
